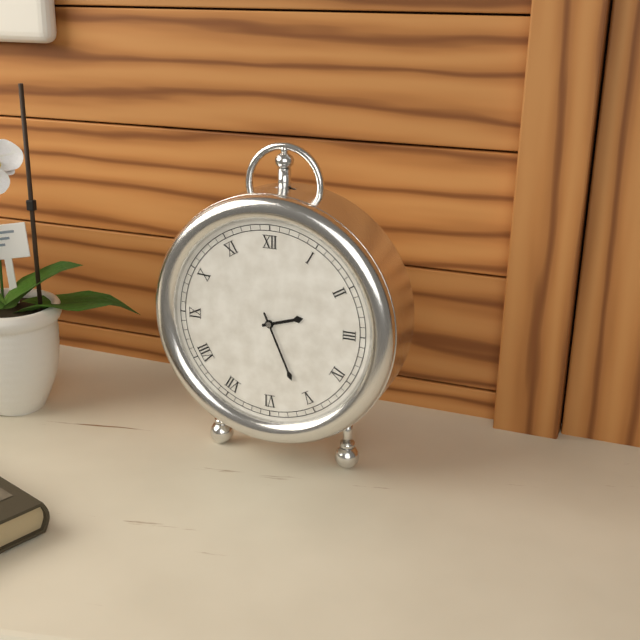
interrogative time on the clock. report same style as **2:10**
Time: **2:26**
